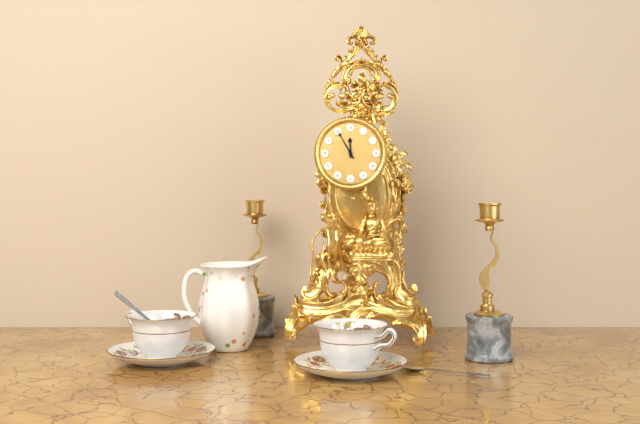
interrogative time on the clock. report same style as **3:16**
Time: **11:55**
